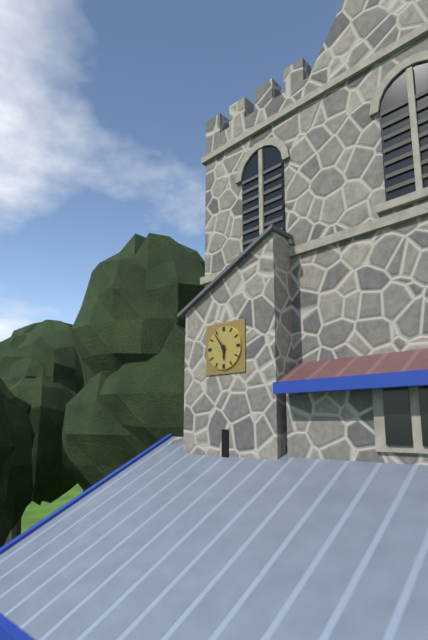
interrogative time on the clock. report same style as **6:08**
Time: **5:54**
